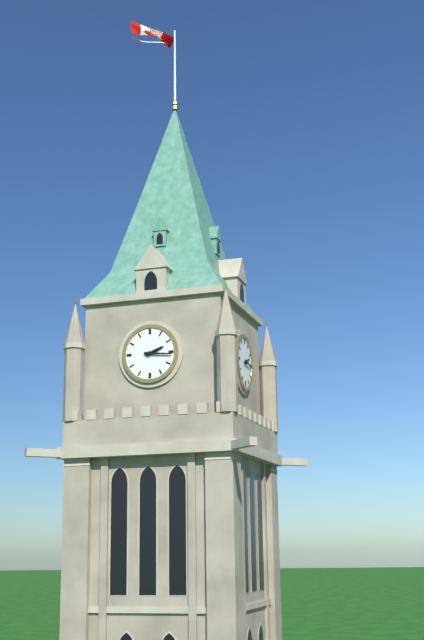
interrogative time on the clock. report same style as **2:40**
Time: **2:16**
